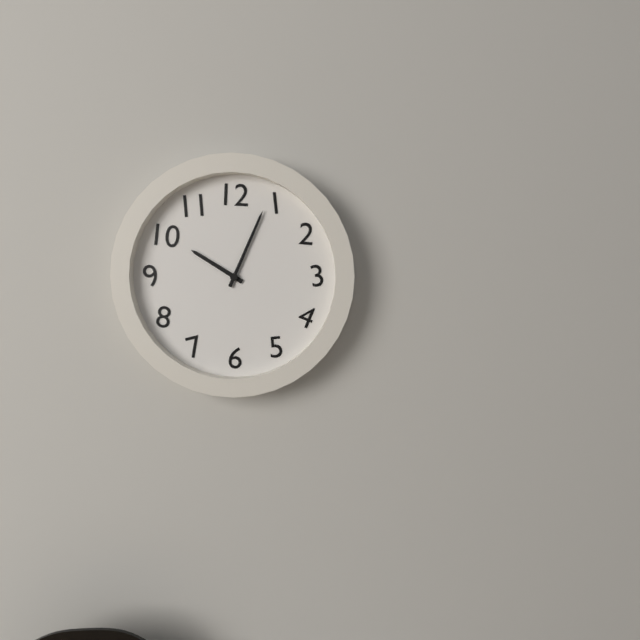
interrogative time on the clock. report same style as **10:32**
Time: **10:04**
